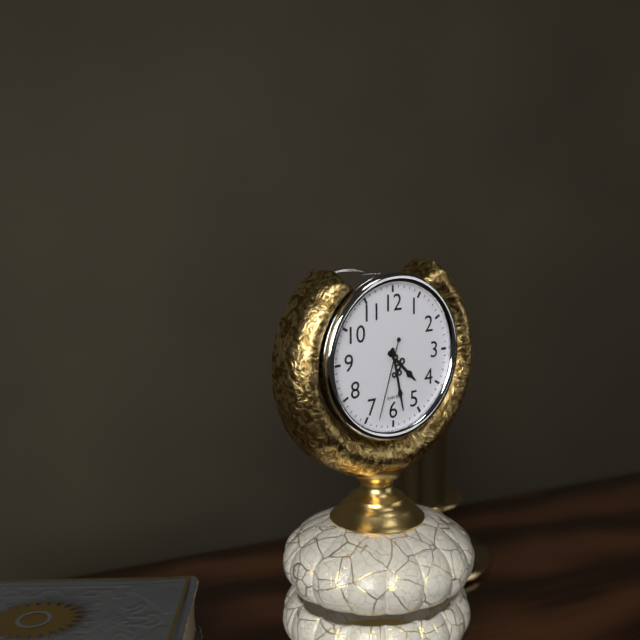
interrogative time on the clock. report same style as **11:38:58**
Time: **4:28:33**
